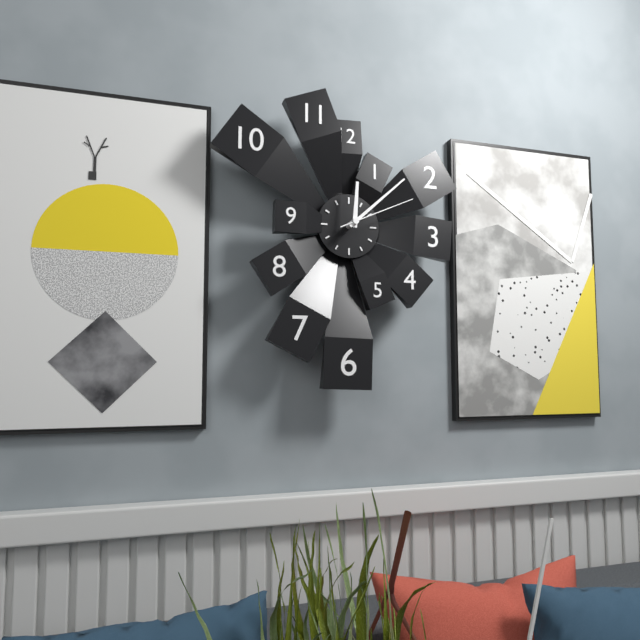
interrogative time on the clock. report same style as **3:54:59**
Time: **12:08:11**
